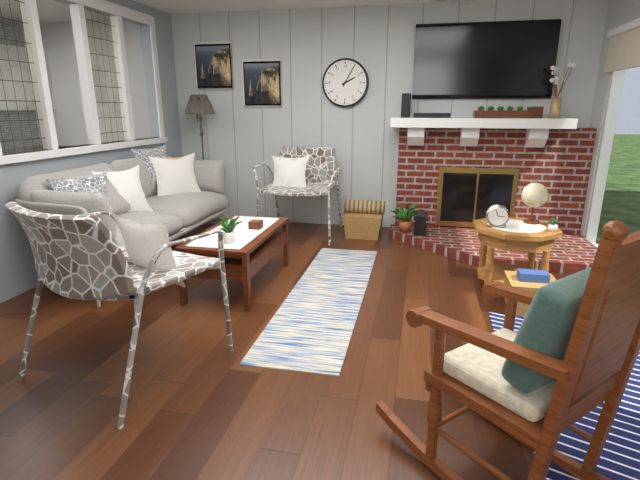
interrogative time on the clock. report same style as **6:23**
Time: **2:05**
